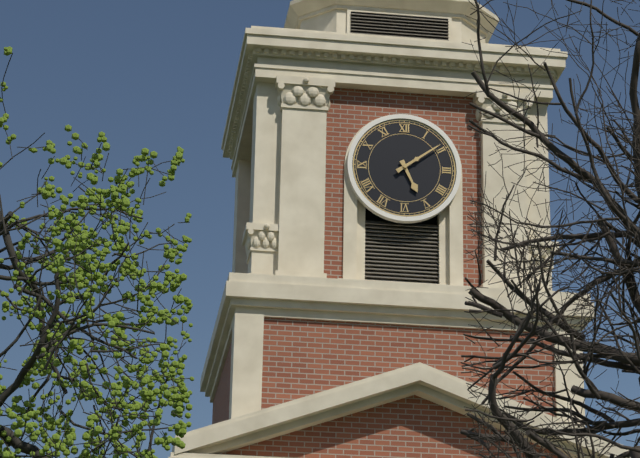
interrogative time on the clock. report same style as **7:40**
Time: **5:09**
